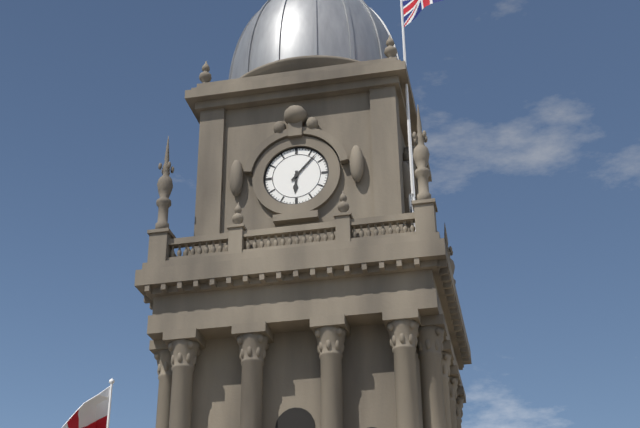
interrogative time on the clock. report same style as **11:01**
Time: **6:07**
